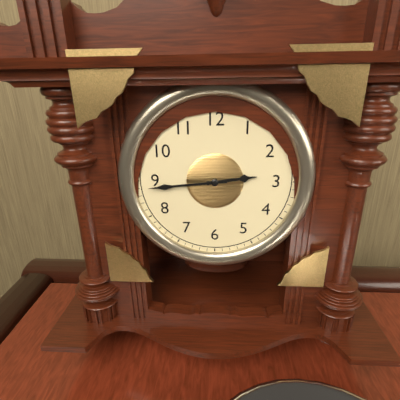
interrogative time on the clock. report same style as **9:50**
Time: **2:44**
